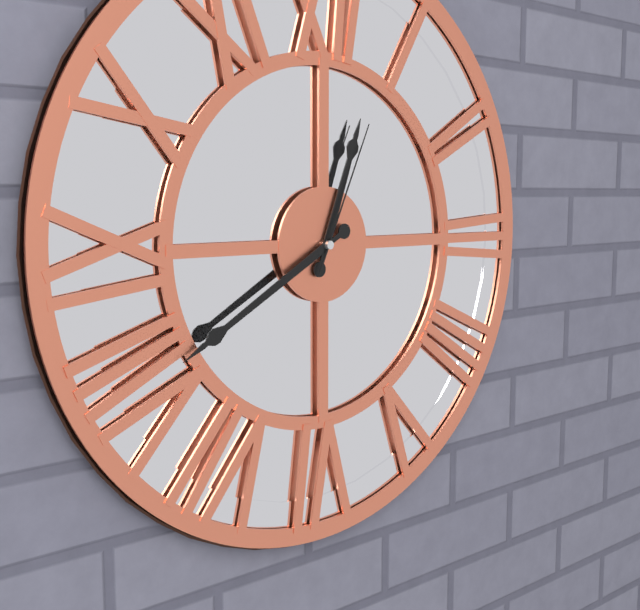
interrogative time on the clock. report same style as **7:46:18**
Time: **12:40:04**
